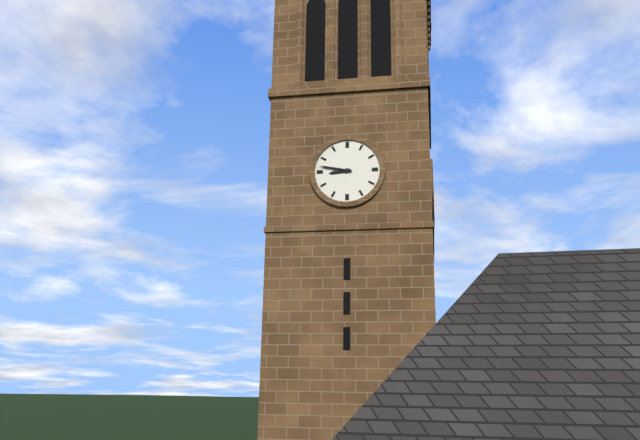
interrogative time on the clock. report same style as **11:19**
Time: **8:47**
